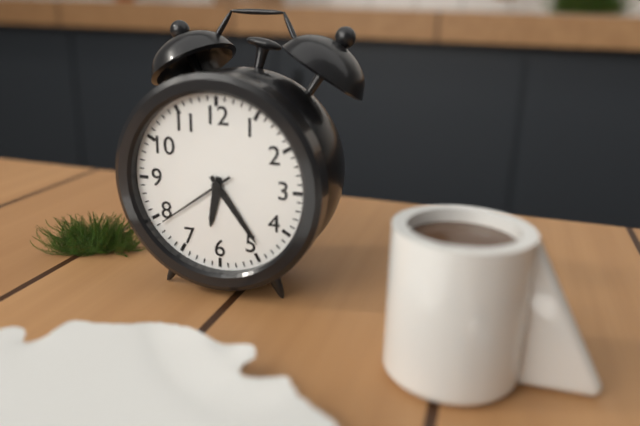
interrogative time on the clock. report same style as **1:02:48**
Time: **6:24:39**
